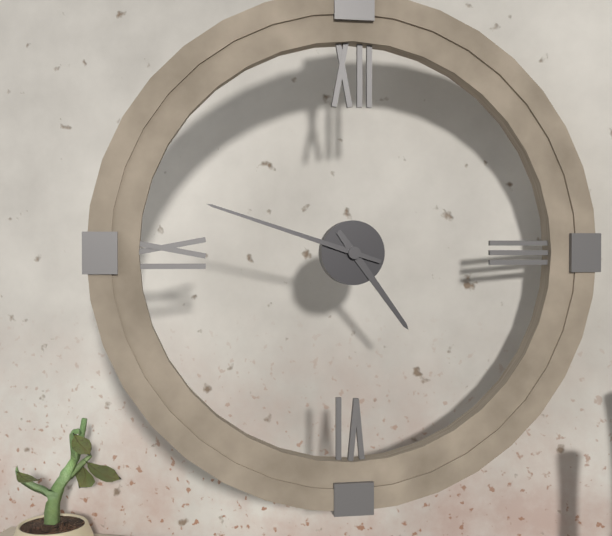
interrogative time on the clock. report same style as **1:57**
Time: **4:48**
